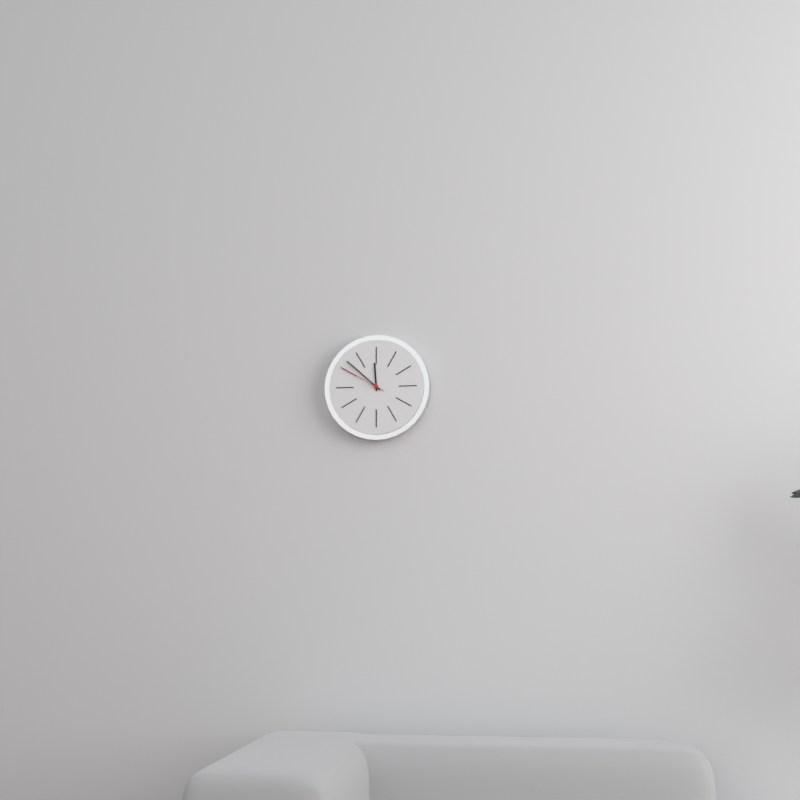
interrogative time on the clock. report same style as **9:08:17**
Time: **11:52:50**
